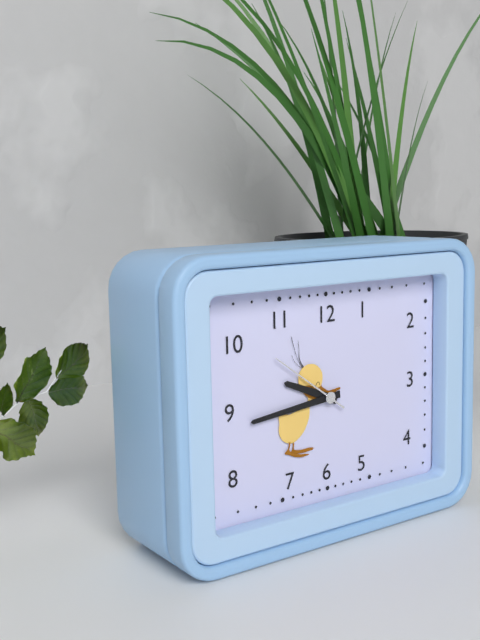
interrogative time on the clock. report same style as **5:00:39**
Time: **9:44:51**
